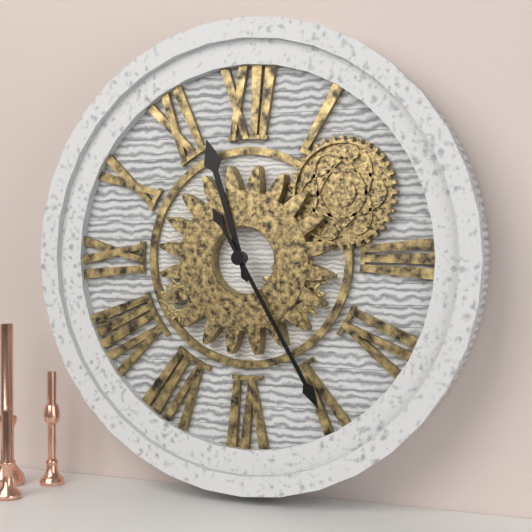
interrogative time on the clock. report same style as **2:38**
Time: **11:25**
